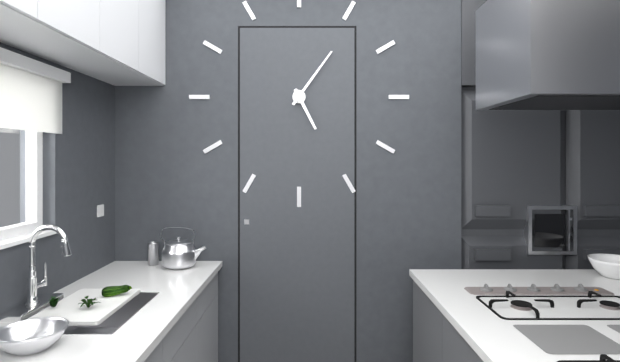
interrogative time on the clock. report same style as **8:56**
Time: **5:06**
